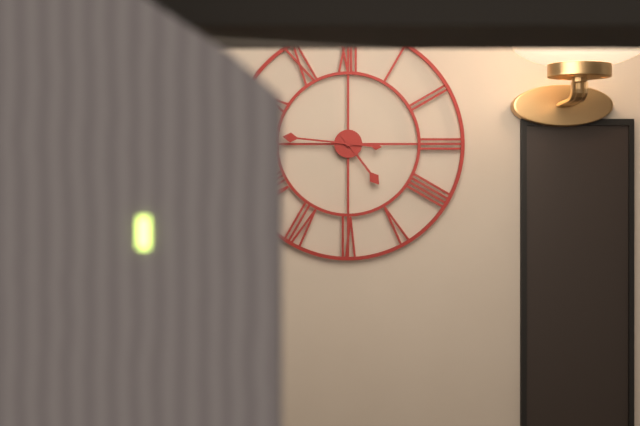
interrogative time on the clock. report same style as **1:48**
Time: **4:46**
